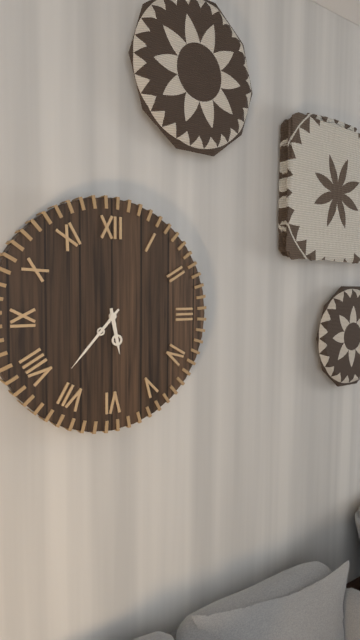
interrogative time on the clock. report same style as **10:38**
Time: **5:37**
